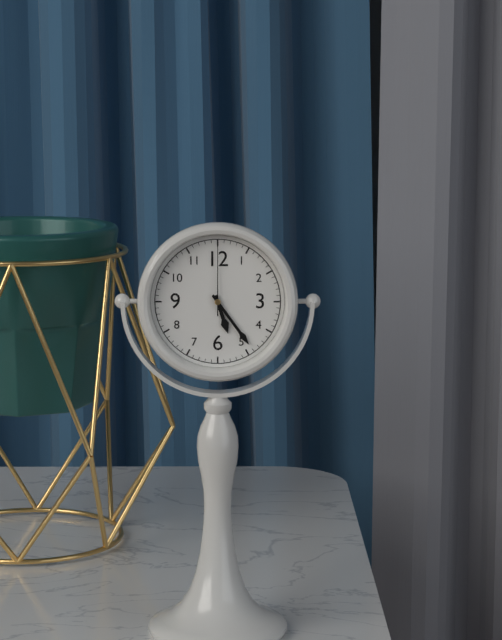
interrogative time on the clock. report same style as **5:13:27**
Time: **5:24:00**
